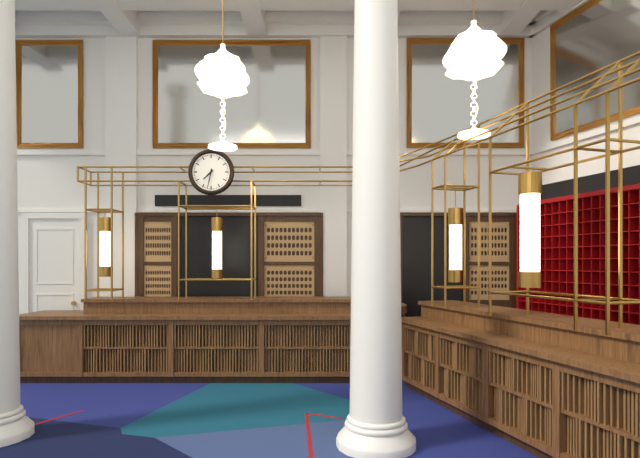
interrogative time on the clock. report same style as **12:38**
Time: **7:32**
